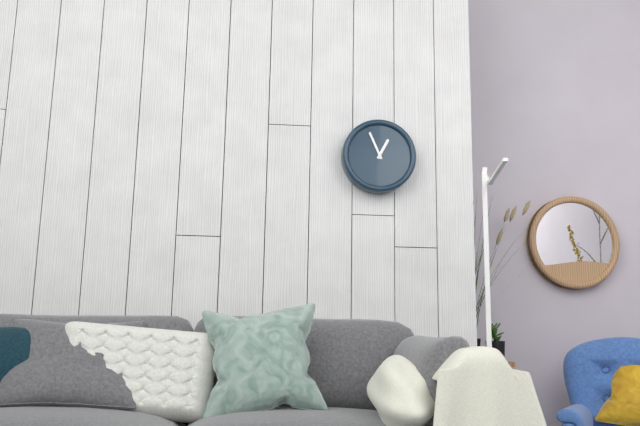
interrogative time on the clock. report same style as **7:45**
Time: **12:56**
